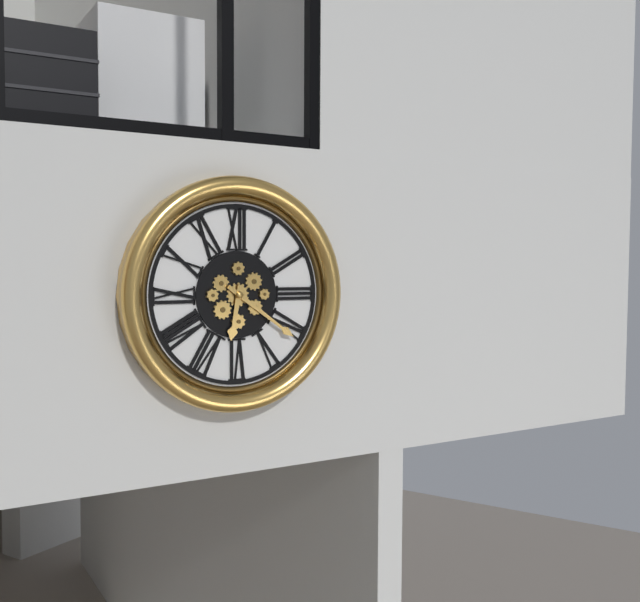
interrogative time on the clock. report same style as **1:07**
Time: **6:21**
